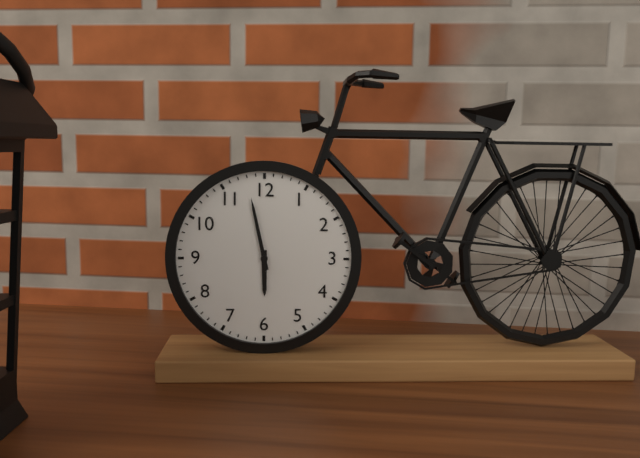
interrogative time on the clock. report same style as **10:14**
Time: **5:58**
